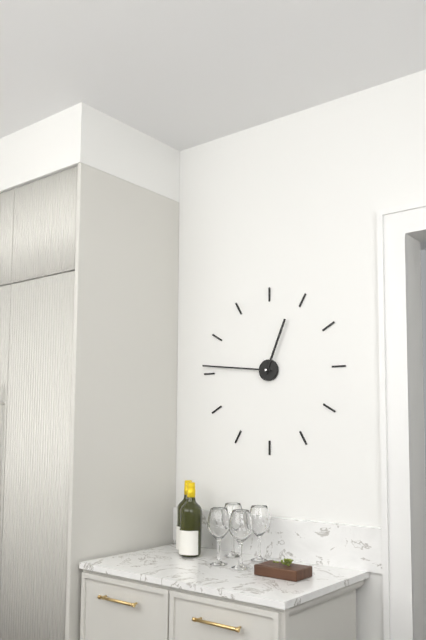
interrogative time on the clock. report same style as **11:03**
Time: **12:46**
